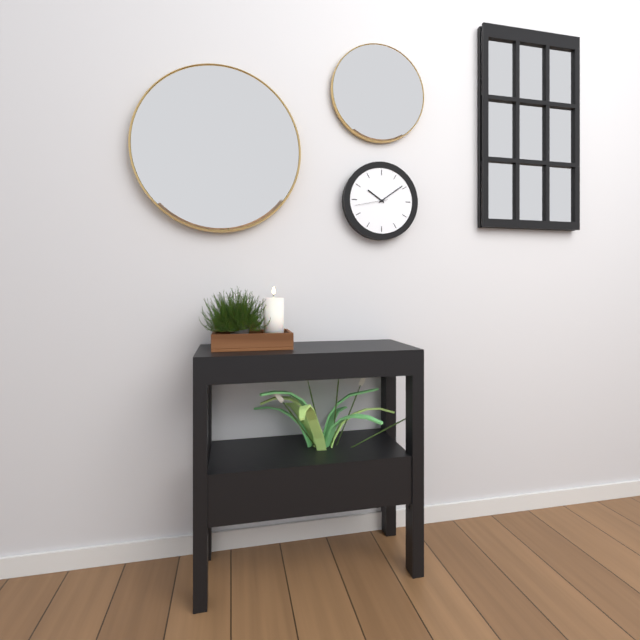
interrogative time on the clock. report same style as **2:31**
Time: **10:09**
